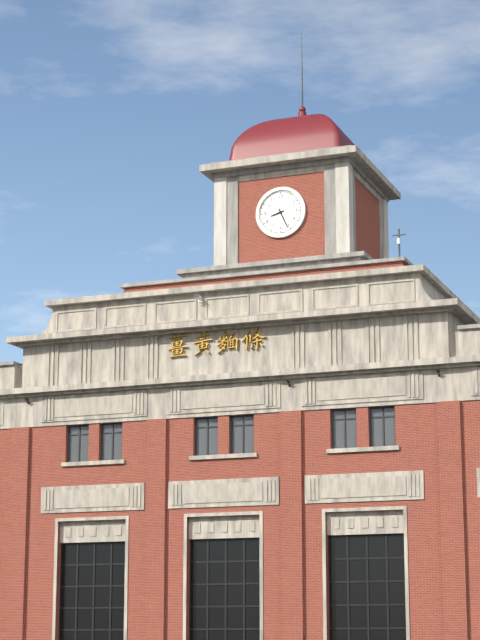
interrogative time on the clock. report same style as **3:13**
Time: **8:26**
